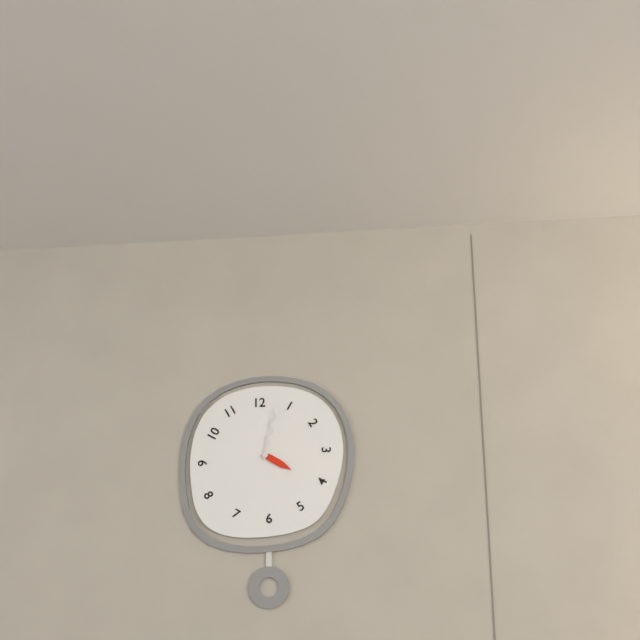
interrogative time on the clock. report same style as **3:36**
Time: **4:02**
